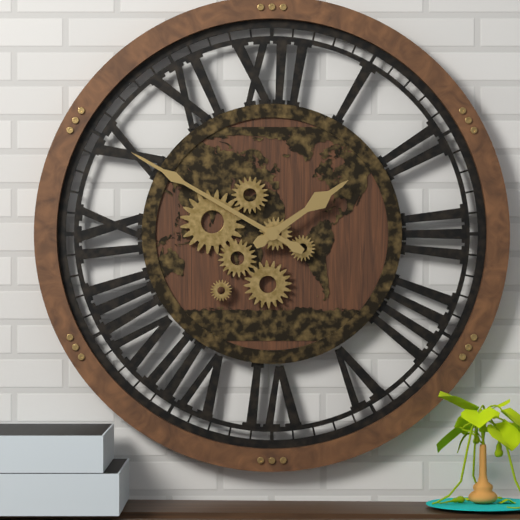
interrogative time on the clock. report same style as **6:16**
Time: **1:50**
